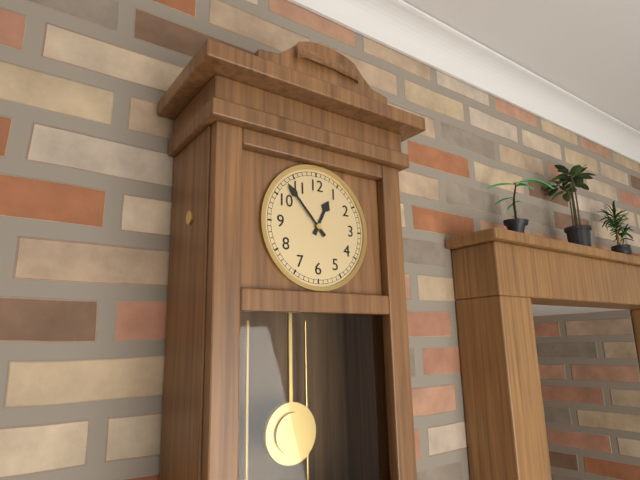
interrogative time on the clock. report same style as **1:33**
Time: **12:53**
